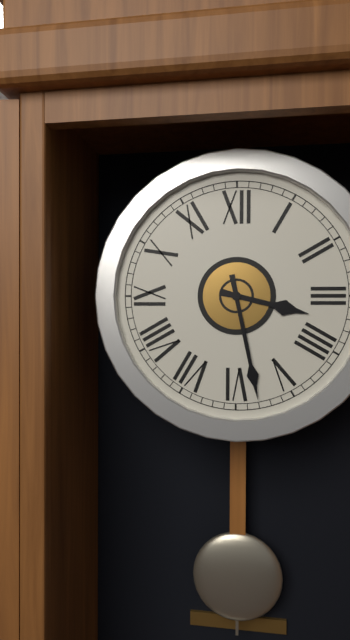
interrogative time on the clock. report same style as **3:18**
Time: **3:28**
